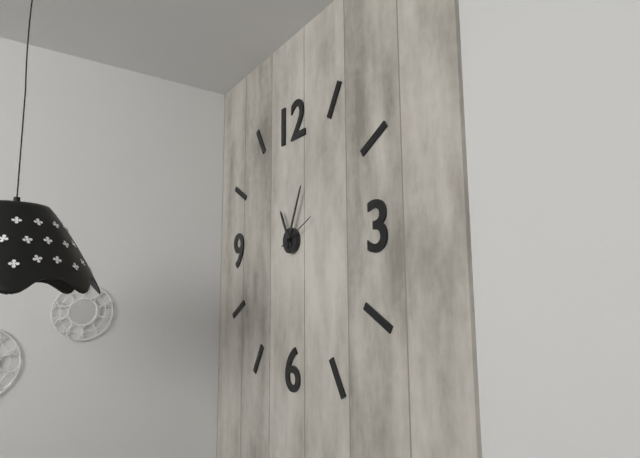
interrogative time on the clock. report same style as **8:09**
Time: **11:04**
